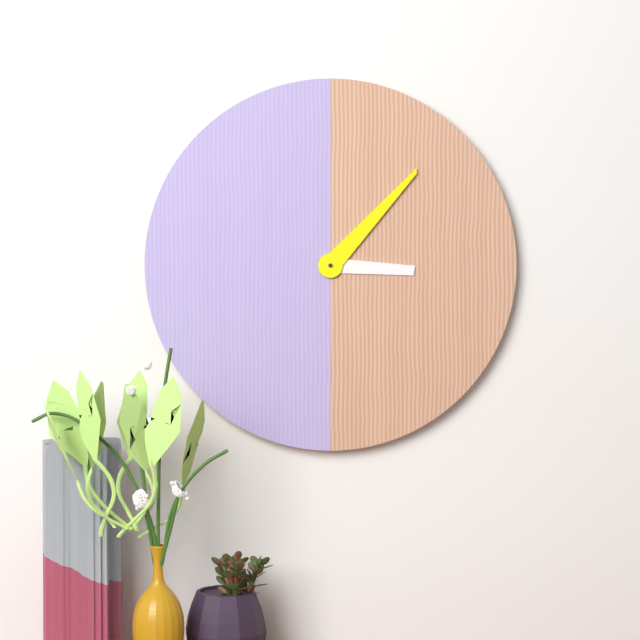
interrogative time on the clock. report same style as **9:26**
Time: **3:07**
